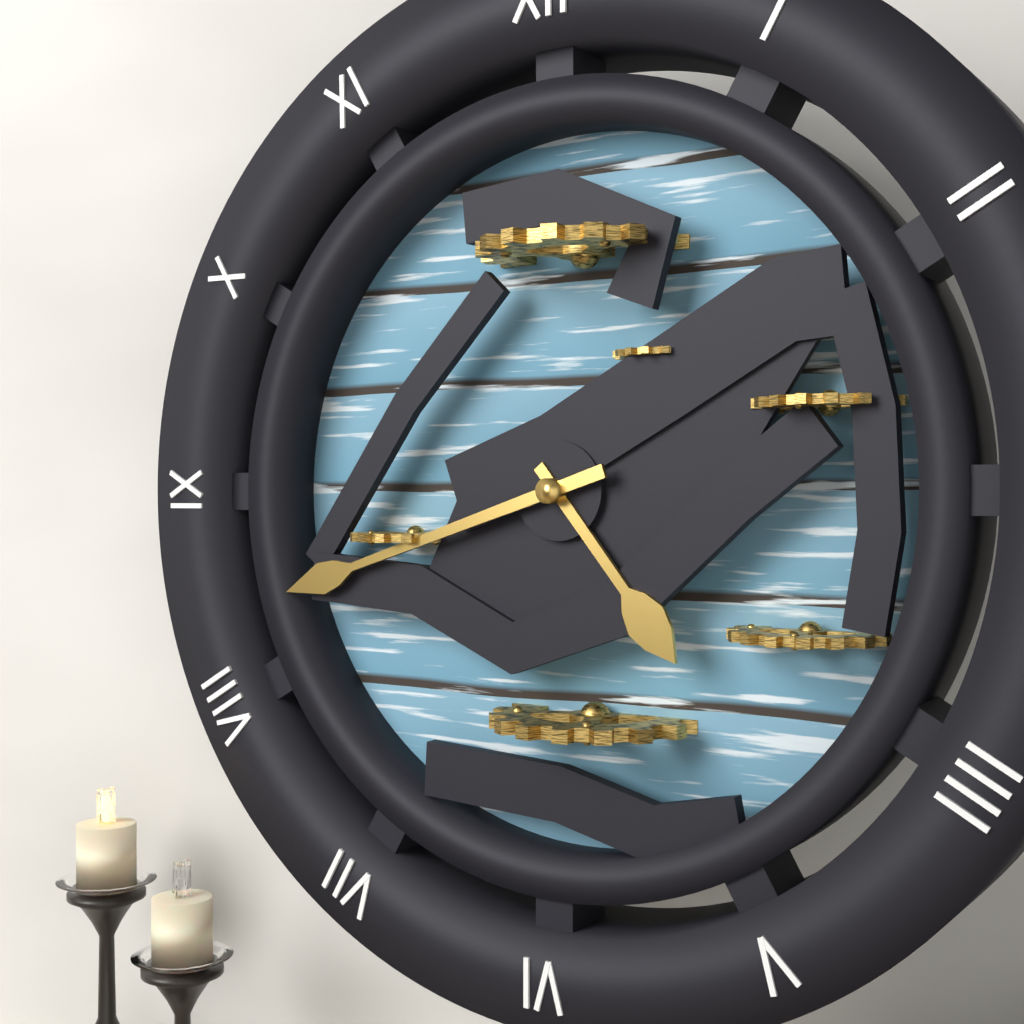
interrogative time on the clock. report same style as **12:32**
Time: **4:42**
